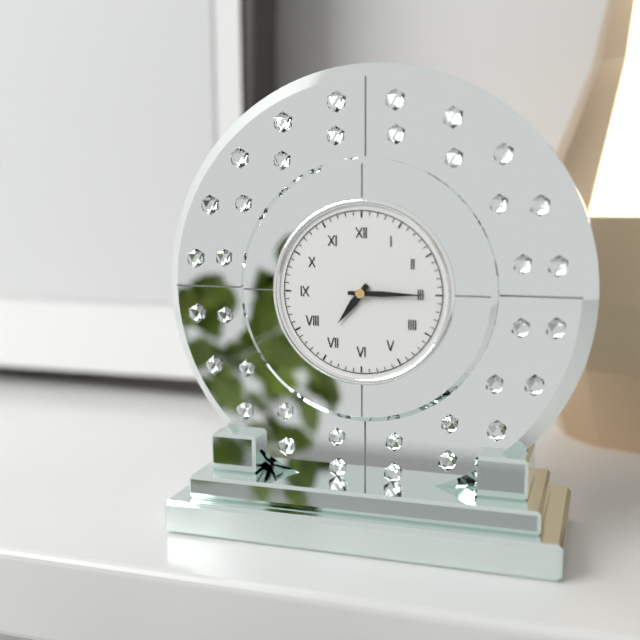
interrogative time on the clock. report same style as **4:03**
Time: **7:15**
